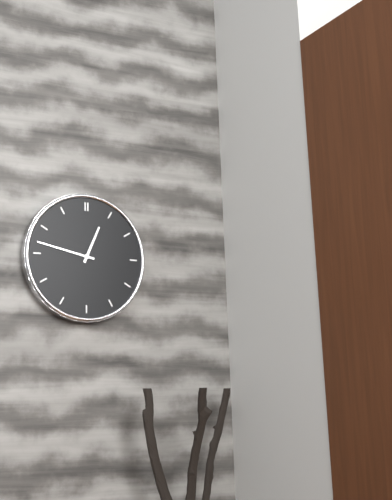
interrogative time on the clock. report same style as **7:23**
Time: **12:47**
